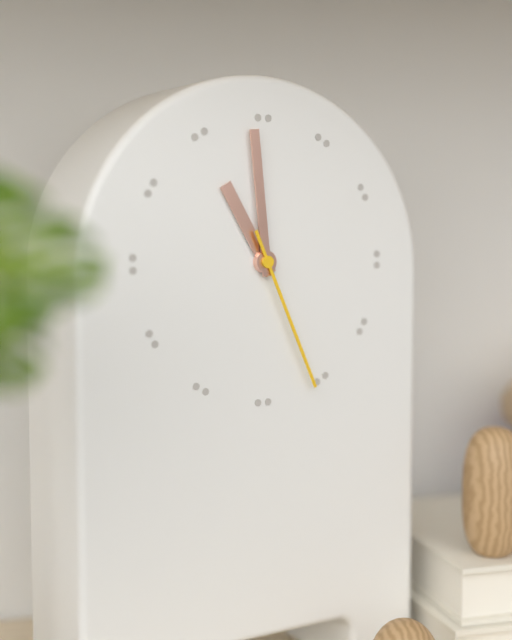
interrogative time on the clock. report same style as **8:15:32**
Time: **10:59:26**
